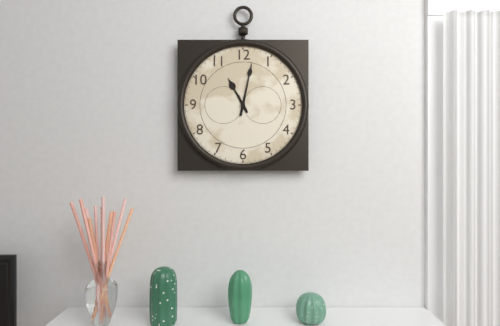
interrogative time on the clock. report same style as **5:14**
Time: **11:02**
